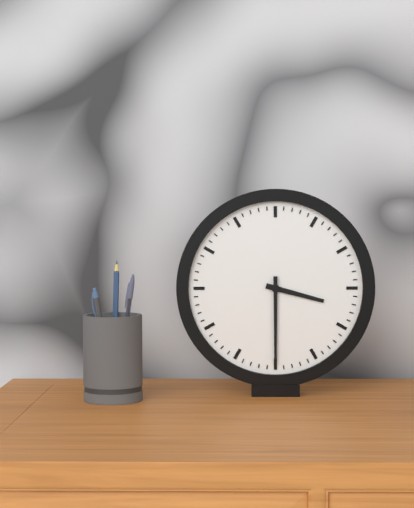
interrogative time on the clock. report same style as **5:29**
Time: **3:30**
